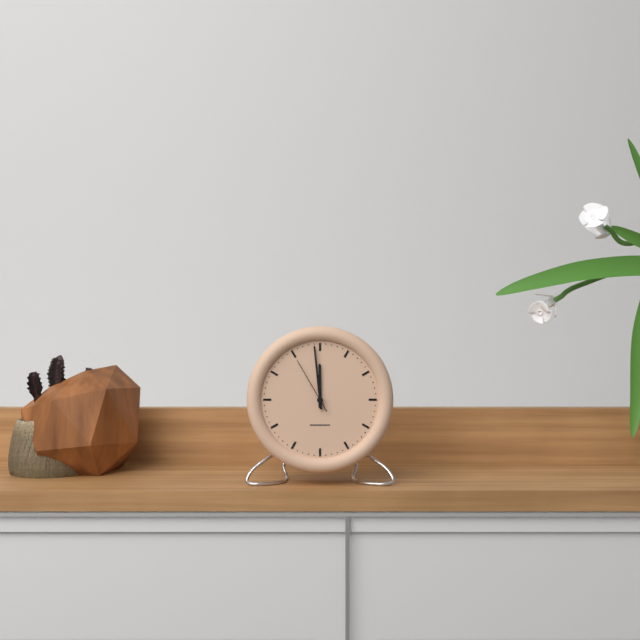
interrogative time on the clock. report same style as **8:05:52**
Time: **11:59:55**
